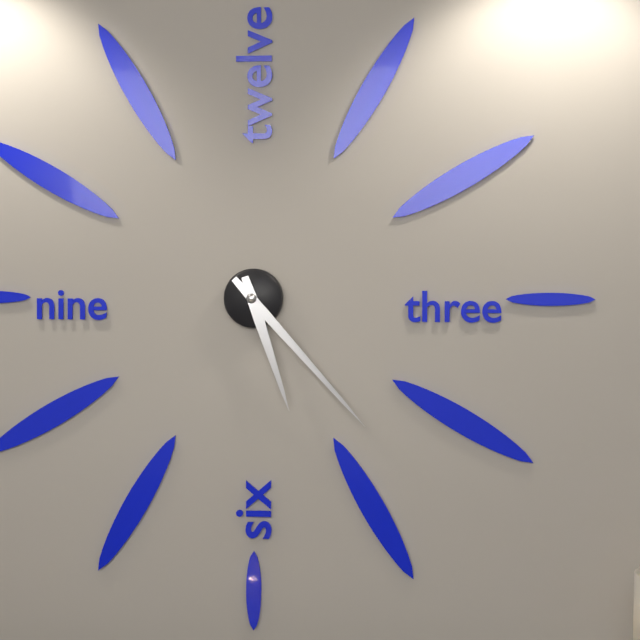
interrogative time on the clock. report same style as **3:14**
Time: **5:23**
